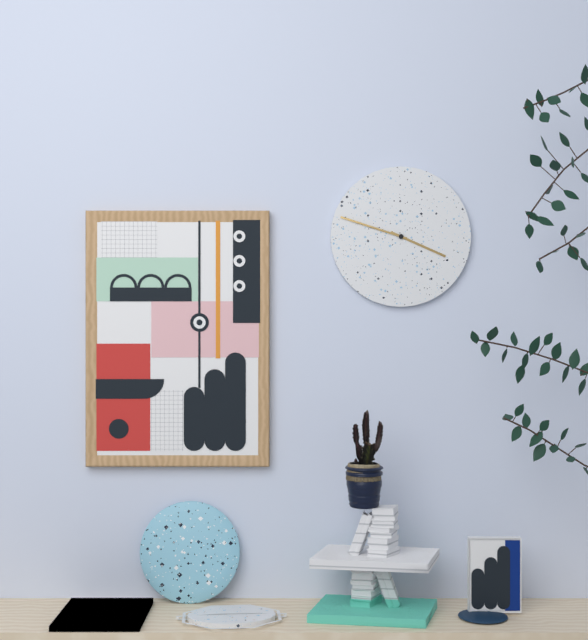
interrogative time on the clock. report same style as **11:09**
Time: **3:48**
